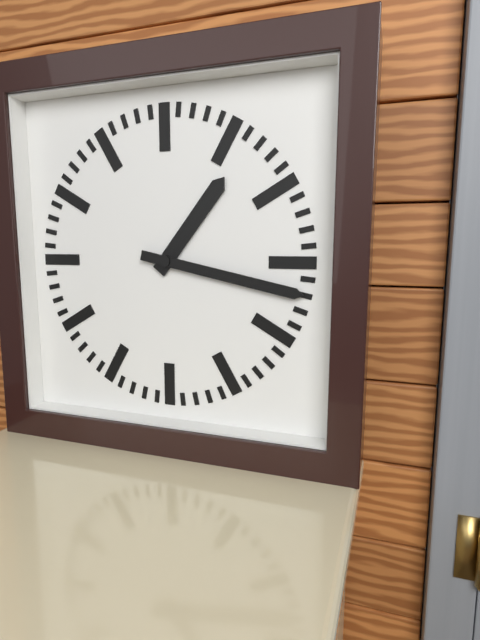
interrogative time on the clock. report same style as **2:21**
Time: **1:17**
